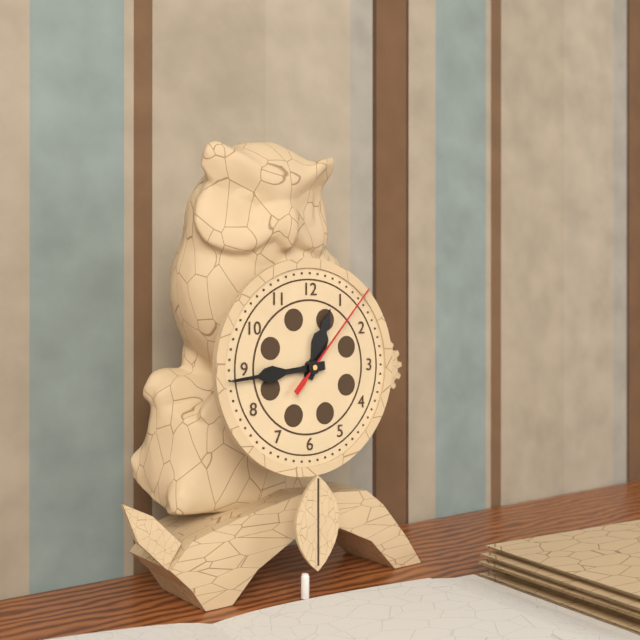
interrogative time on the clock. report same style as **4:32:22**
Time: **12:44:07**
